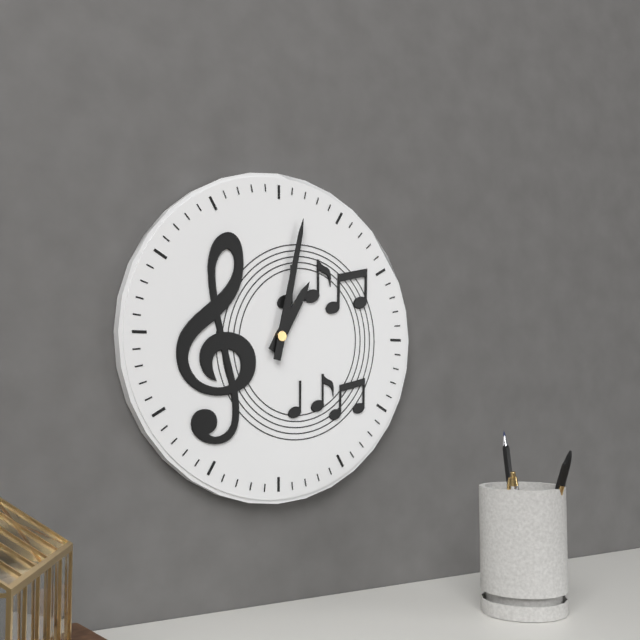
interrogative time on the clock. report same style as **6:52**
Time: **1:02**
